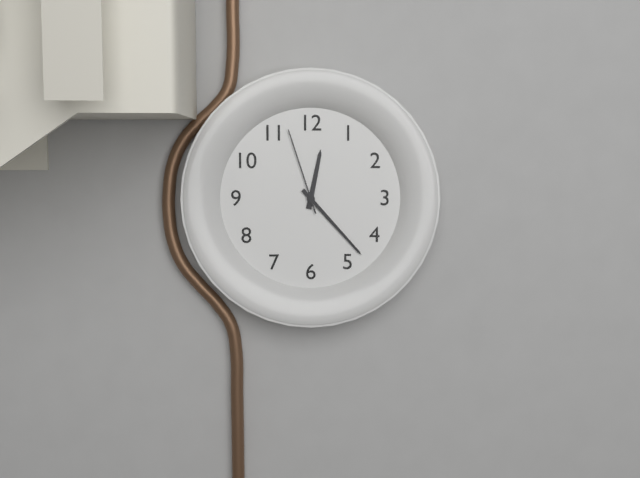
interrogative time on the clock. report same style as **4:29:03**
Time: **12:23:57**
